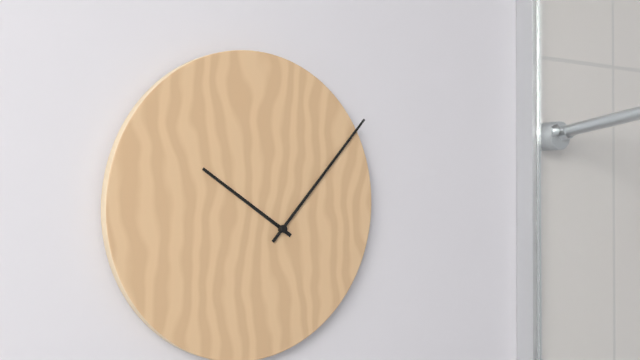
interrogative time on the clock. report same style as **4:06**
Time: **10:07**
